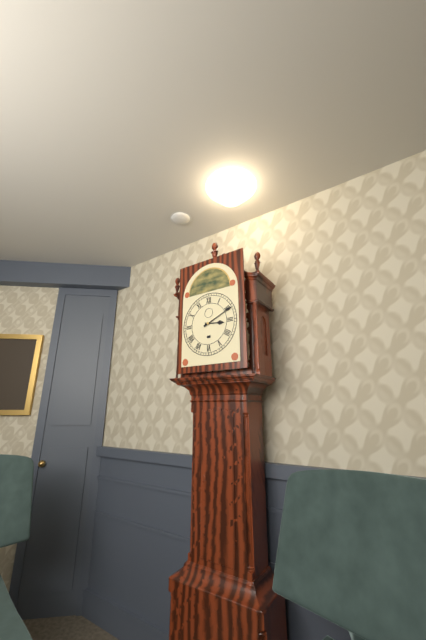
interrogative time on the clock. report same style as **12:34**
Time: **3:11**
